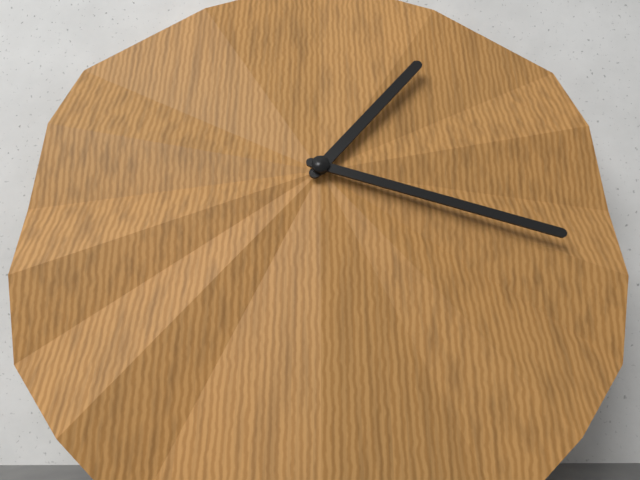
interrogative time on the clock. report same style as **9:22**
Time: **1:18**
